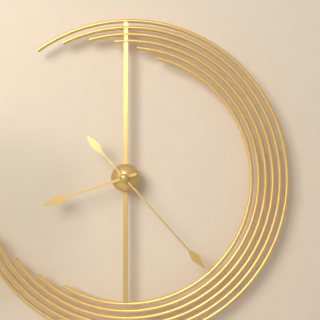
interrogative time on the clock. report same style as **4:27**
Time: **8:23**
